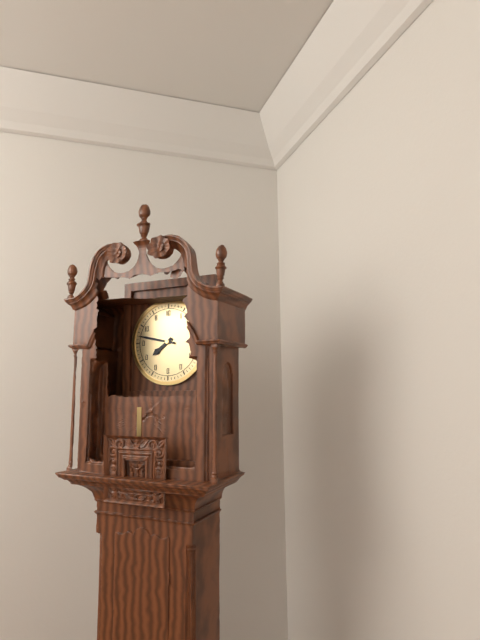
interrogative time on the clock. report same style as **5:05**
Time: **7:47**
